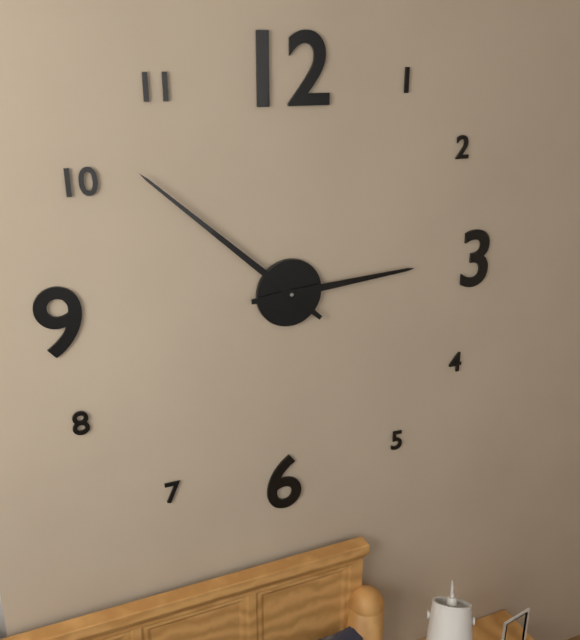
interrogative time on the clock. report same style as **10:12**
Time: **2:52**
